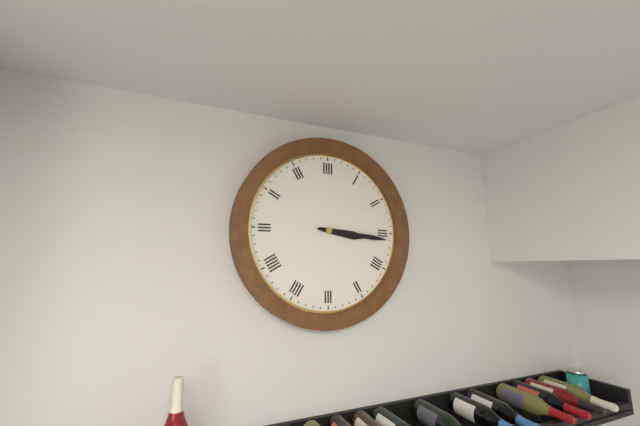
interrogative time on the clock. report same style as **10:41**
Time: **3:16**
